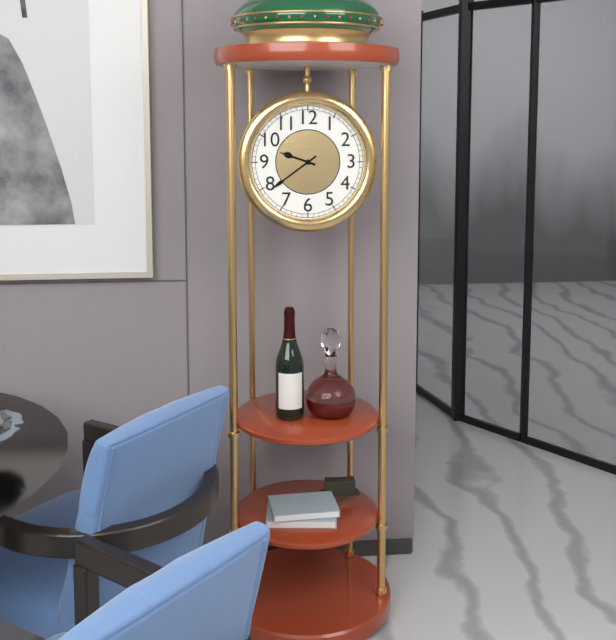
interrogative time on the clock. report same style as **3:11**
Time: **9:39**
